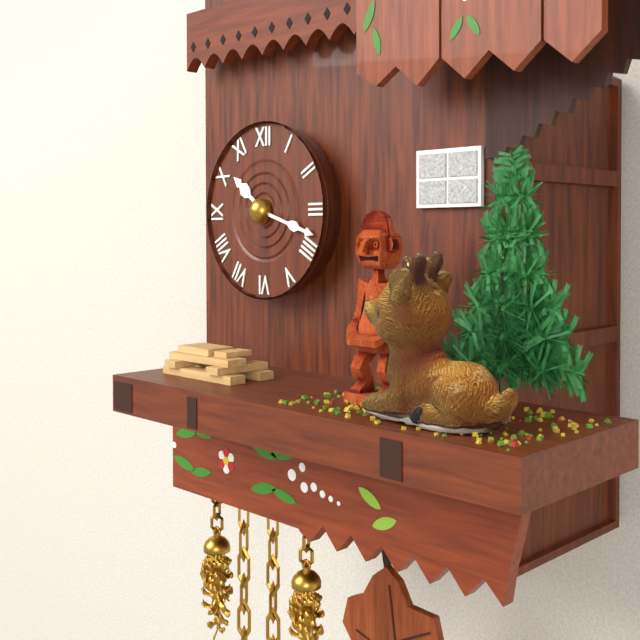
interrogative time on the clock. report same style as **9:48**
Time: **10:18**
